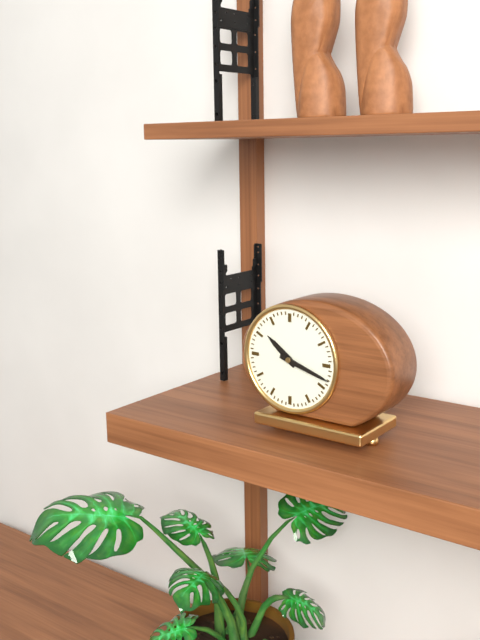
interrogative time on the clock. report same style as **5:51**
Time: **10:18**
